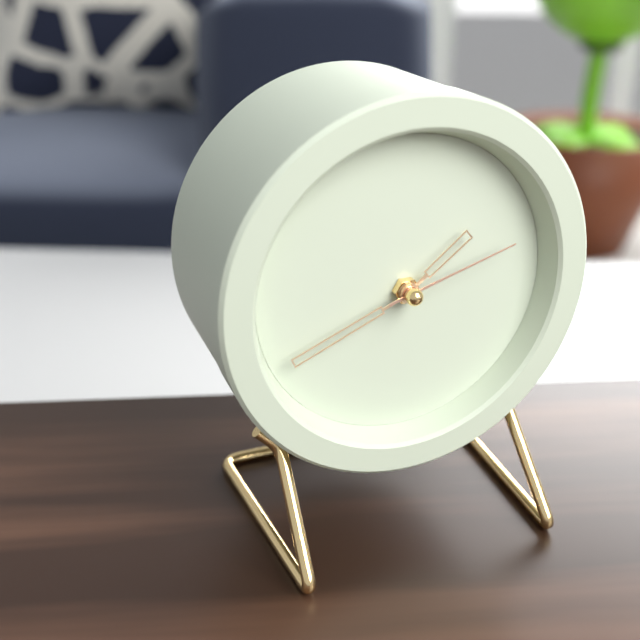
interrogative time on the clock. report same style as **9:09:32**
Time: **1:41:12**
